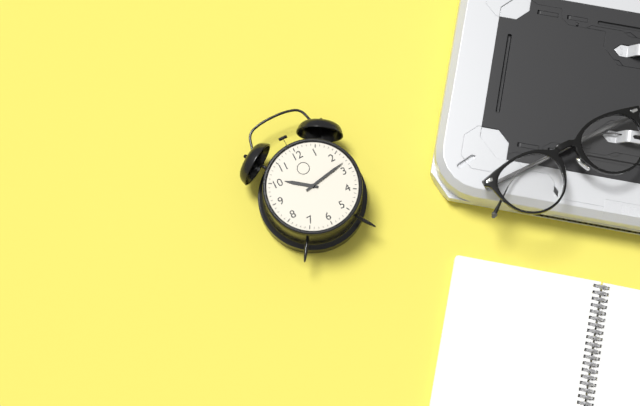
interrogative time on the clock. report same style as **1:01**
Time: **10:13**
